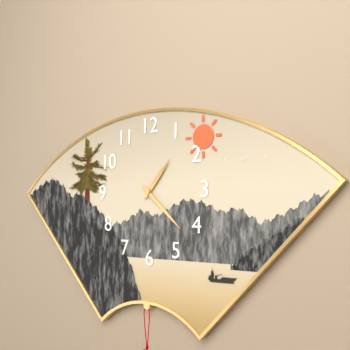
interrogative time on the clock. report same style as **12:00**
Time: **1:22**
